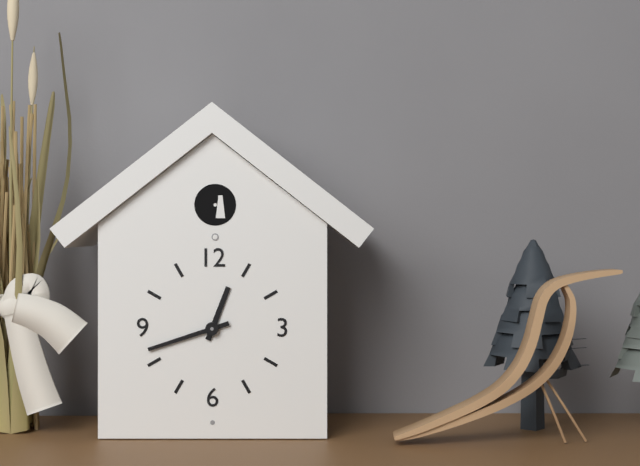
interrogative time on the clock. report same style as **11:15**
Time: **12:42**
